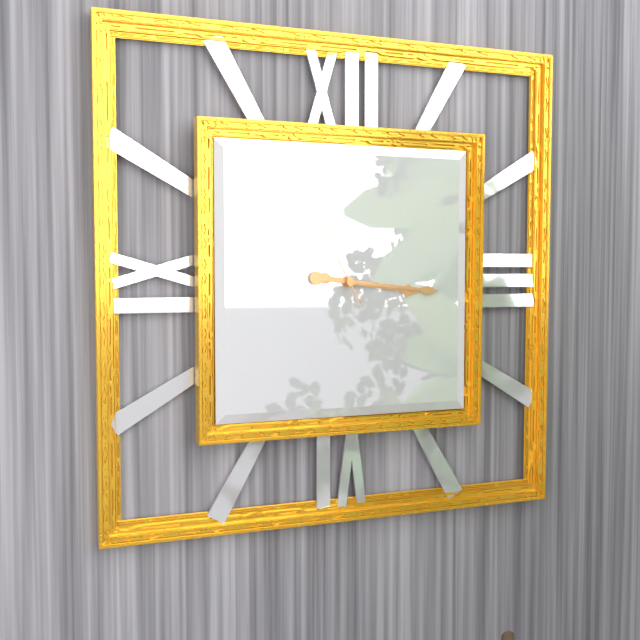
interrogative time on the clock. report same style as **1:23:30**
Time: **3:16:55**
